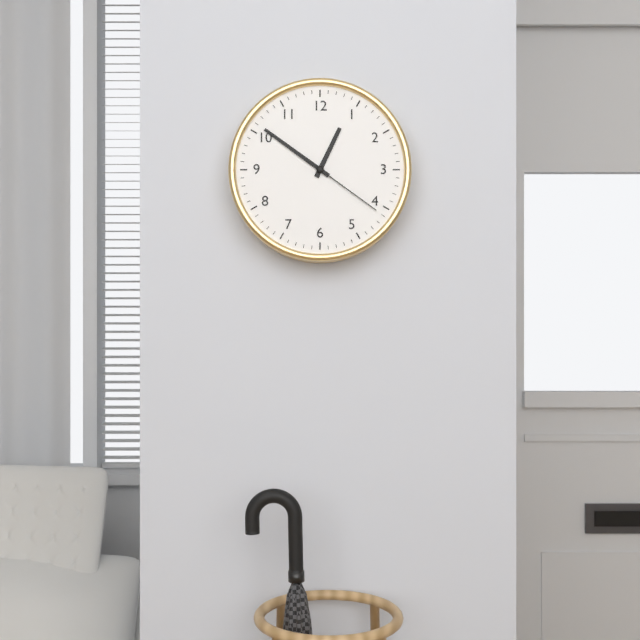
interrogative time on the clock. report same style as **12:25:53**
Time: **12:51:21**
